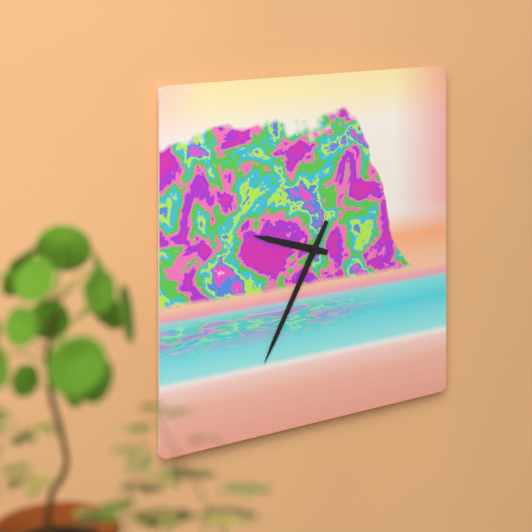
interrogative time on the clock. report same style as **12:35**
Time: **9:35**
